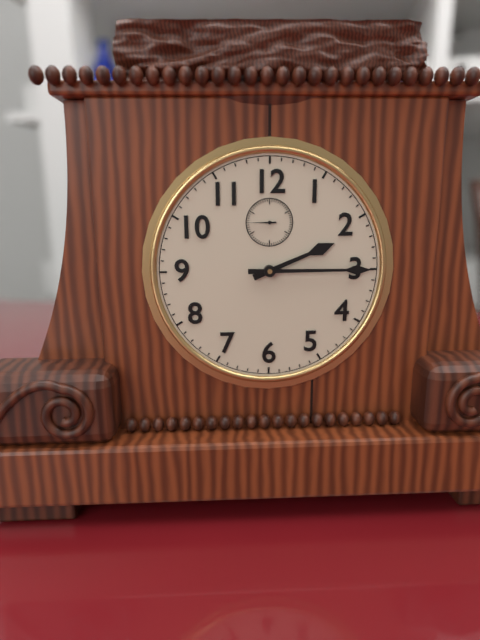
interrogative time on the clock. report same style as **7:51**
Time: **2:15**
